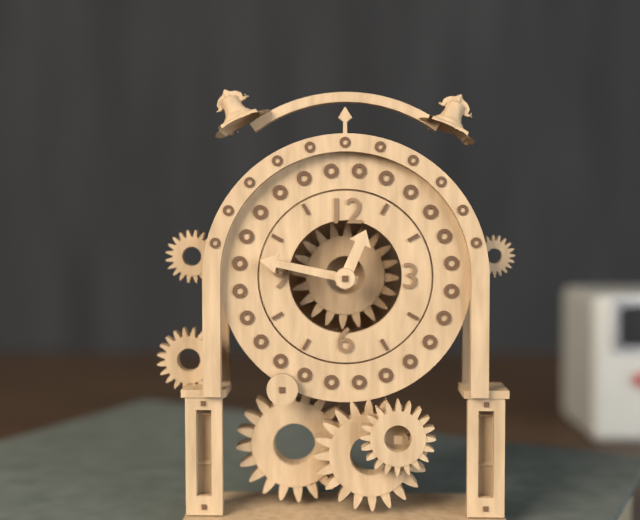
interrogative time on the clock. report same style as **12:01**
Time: **12:47**
